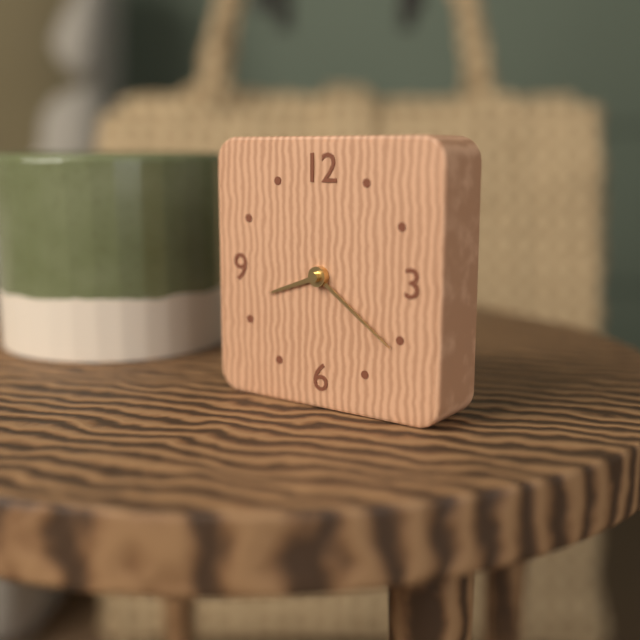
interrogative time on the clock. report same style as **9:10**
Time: **8:21**
